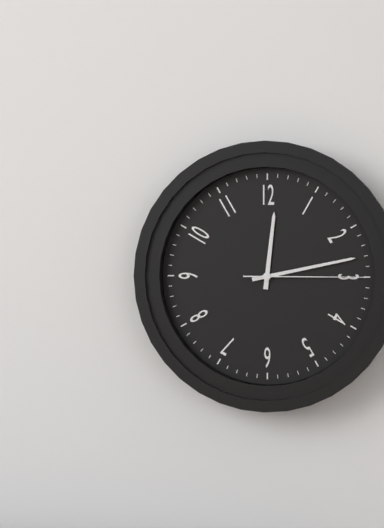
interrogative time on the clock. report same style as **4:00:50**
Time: **12:13:15**
